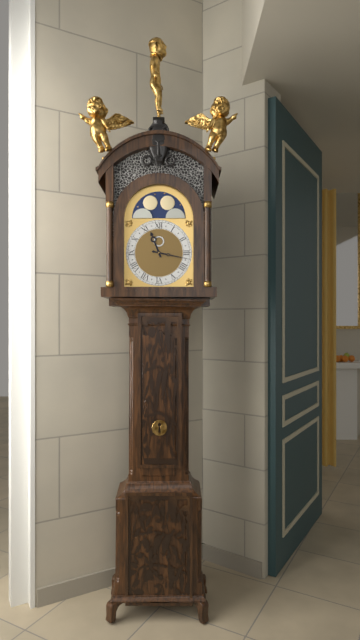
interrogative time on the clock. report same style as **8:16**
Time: **11:17**
